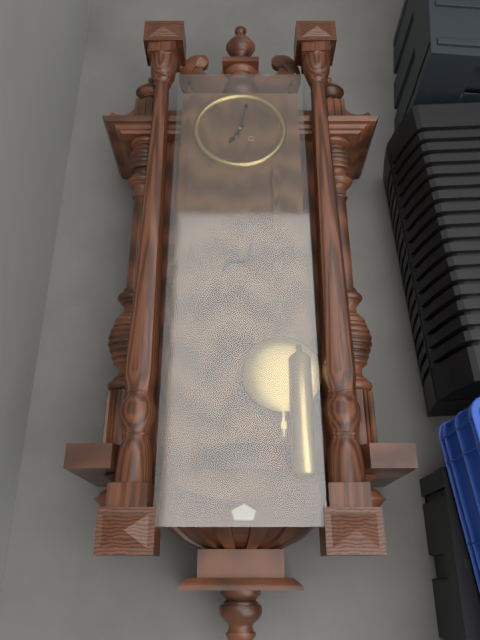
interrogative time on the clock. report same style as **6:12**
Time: **7:02**
